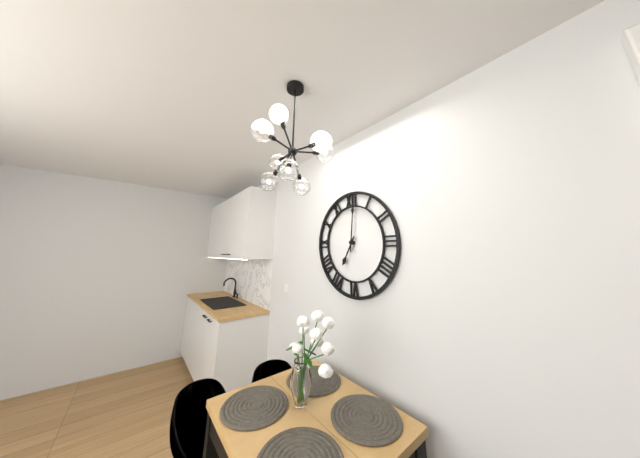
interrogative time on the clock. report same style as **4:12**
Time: **7:01**
